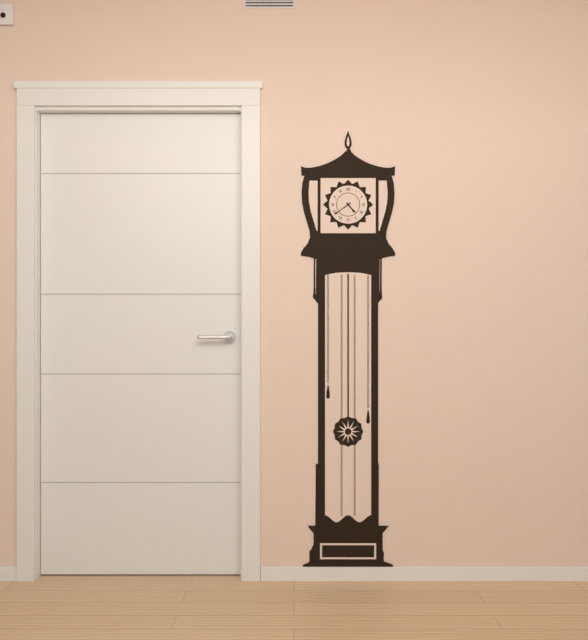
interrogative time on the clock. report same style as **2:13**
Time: **4:39**
